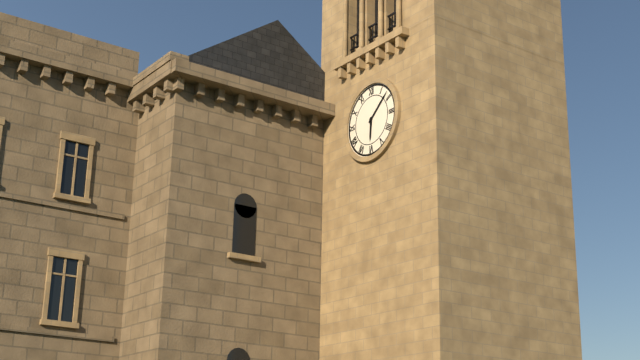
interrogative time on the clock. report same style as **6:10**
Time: **6:08**
